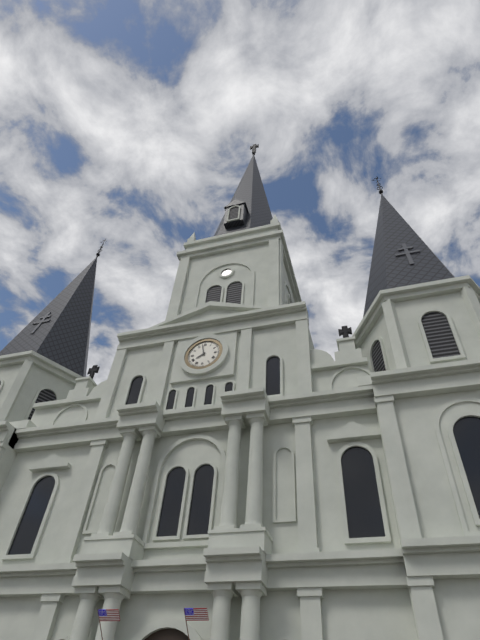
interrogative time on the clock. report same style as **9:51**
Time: **7:58**
